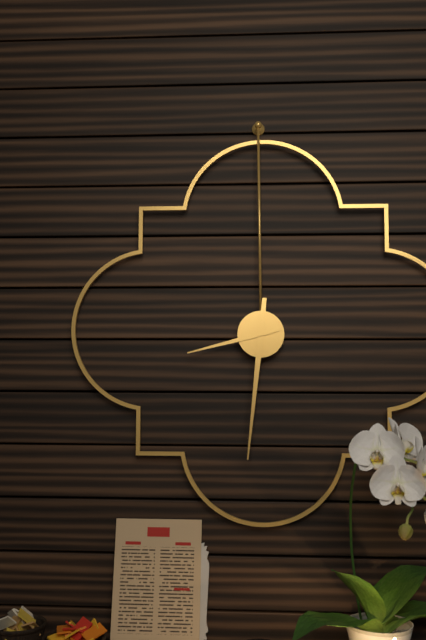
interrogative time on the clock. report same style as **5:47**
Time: **8:31**
